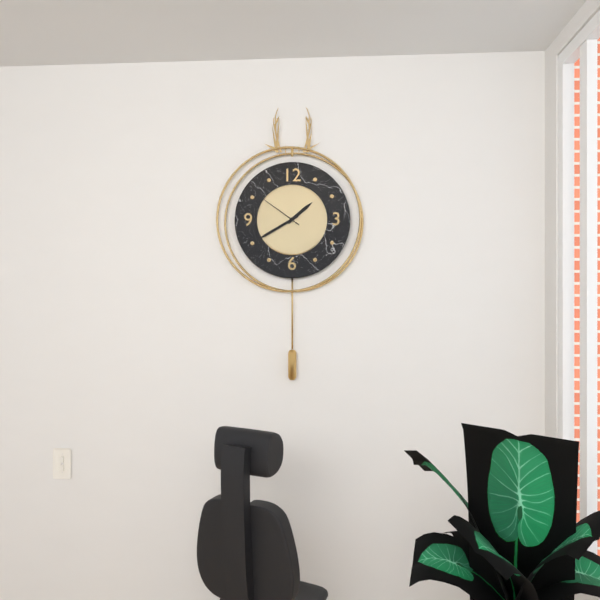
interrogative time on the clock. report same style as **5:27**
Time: **1:40**
